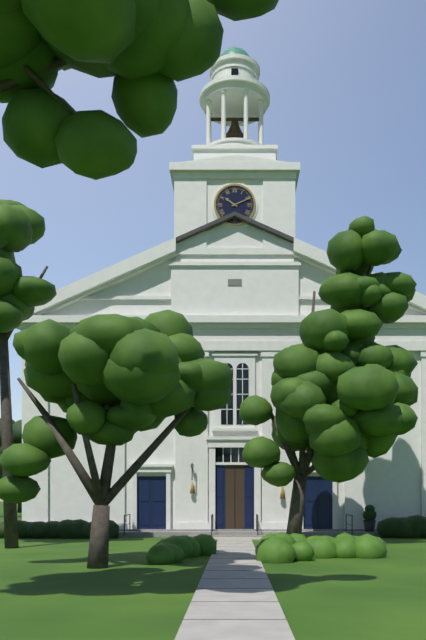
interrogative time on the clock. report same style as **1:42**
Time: **10:11**
